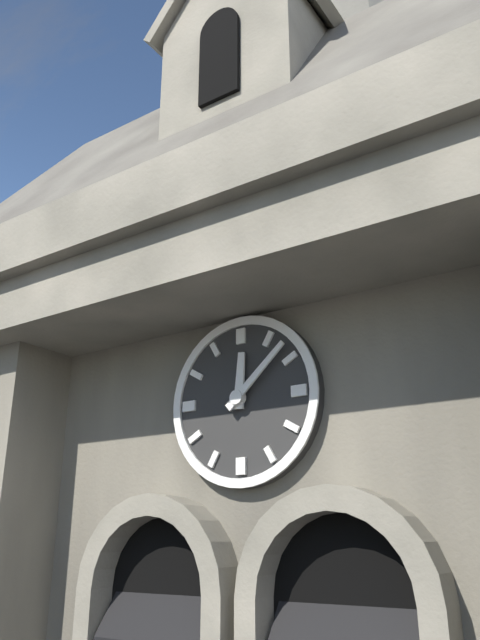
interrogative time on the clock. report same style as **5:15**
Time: **12:08**
